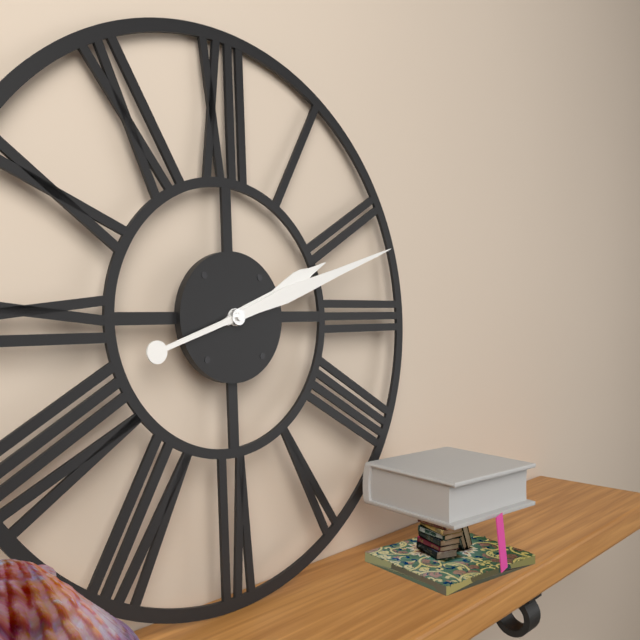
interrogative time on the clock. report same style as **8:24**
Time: **2:12**
